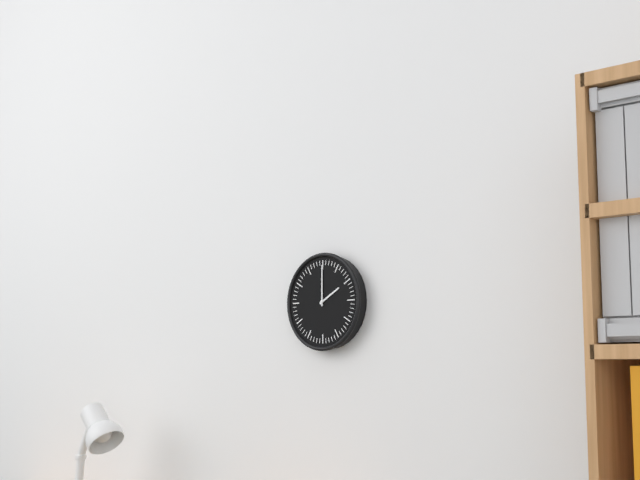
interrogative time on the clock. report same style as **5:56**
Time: **2:00**
